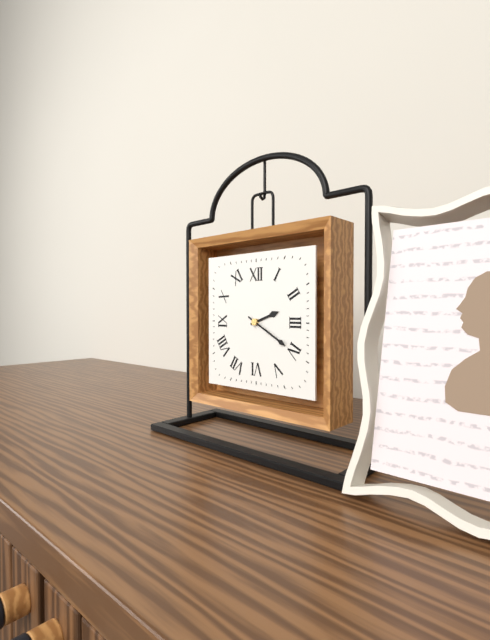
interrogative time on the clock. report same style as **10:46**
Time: **2:20**
